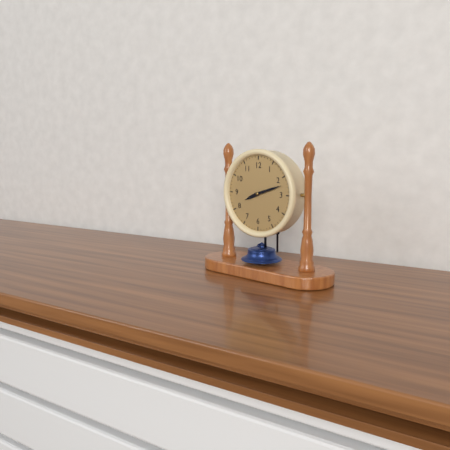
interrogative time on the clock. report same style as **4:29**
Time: **8:12**
